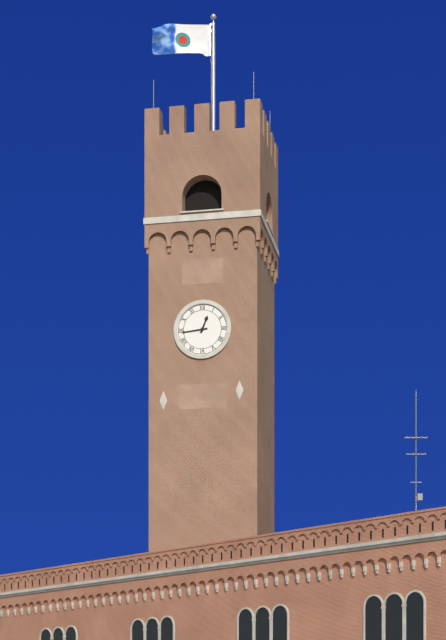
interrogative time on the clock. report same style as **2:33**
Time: **12:44**
